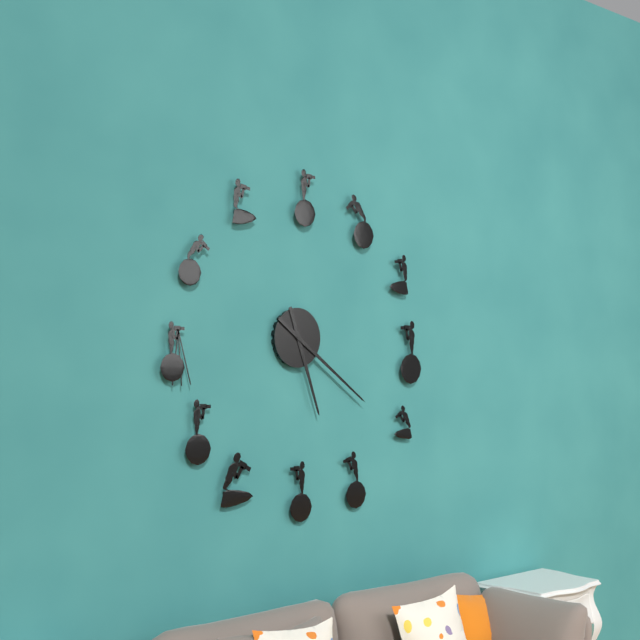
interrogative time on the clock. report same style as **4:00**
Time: **5:21**
